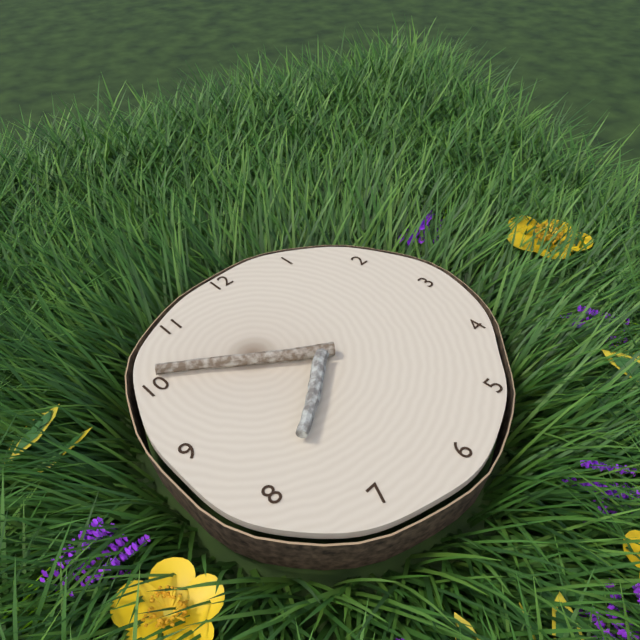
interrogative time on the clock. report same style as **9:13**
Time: **7:51**
